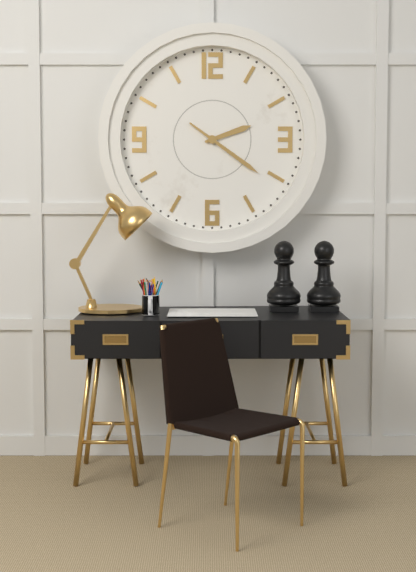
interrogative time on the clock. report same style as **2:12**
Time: **2:21**
